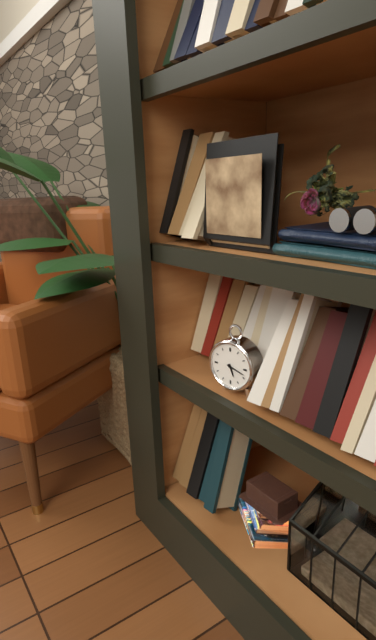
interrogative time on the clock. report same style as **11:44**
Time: **5:18**
